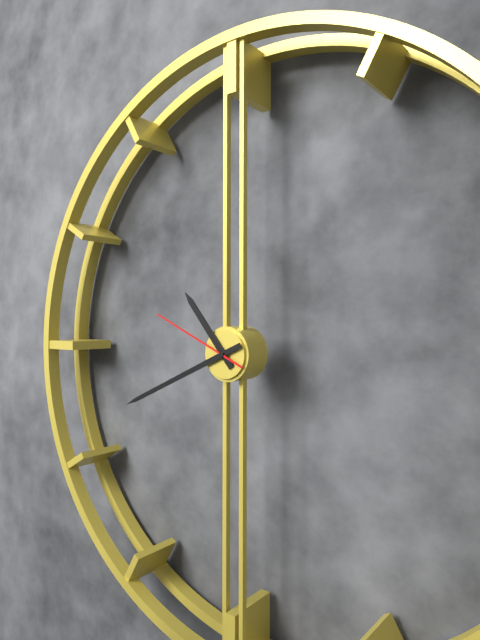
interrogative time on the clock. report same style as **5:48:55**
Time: **10:41:49**
